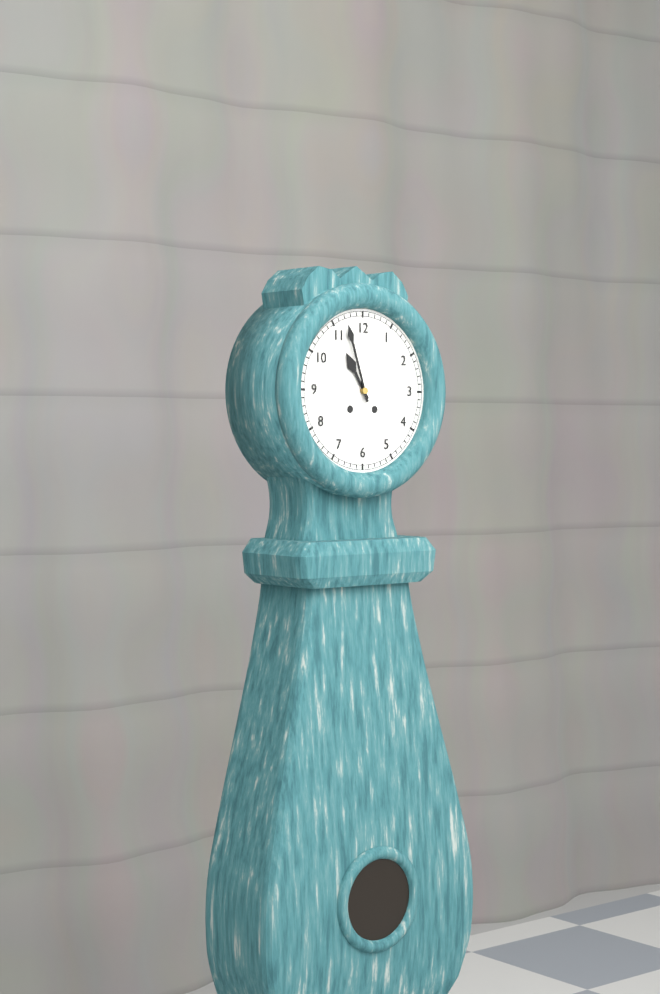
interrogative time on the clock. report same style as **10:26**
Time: **10:57**
